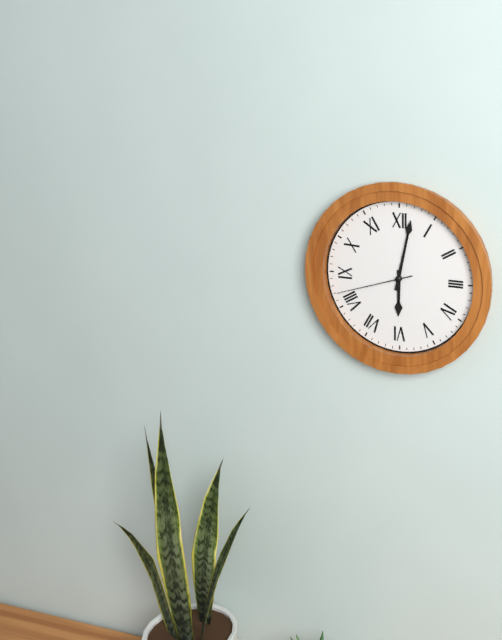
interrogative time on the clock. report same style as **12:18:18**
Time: **6:02:42**
